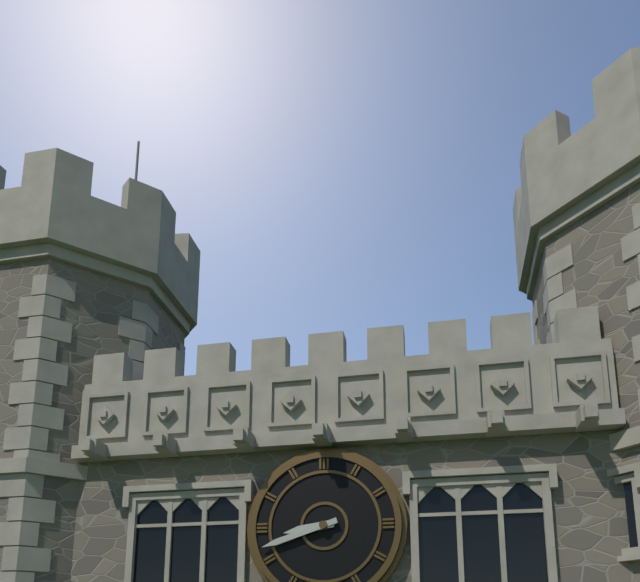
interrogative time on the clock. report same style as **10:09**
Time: **8:42**
